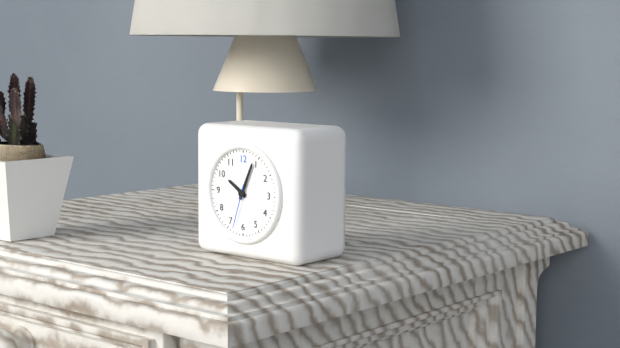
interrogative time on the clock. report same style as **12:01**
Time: **10:04**
